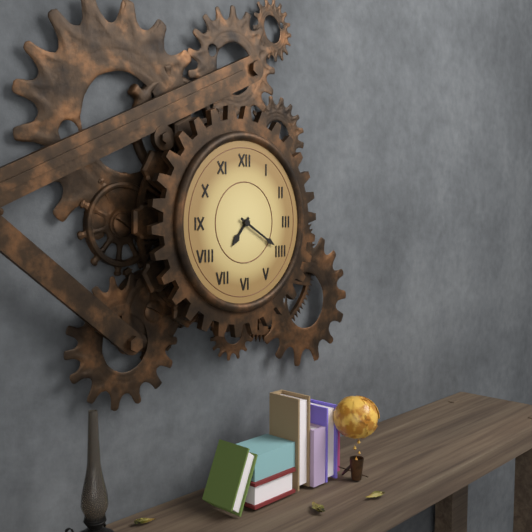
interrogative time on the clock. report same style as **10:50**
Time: **7:20**
